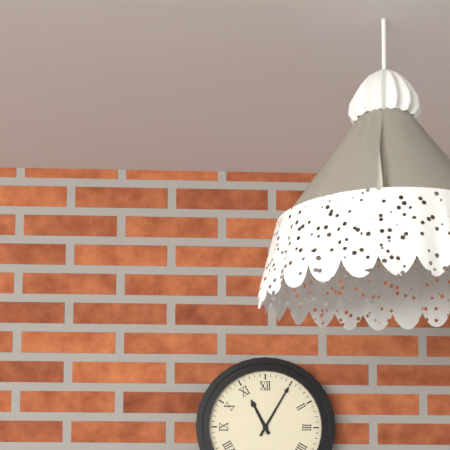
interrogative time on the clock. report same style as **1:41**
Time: **11:05**
